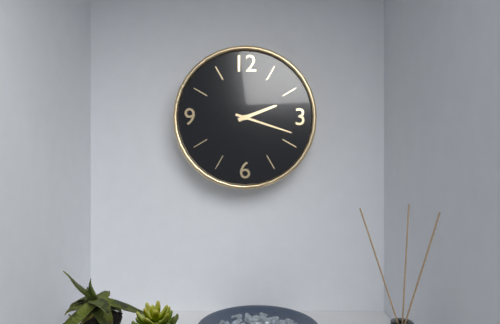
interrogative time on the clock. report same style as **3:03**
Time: **2:18**
